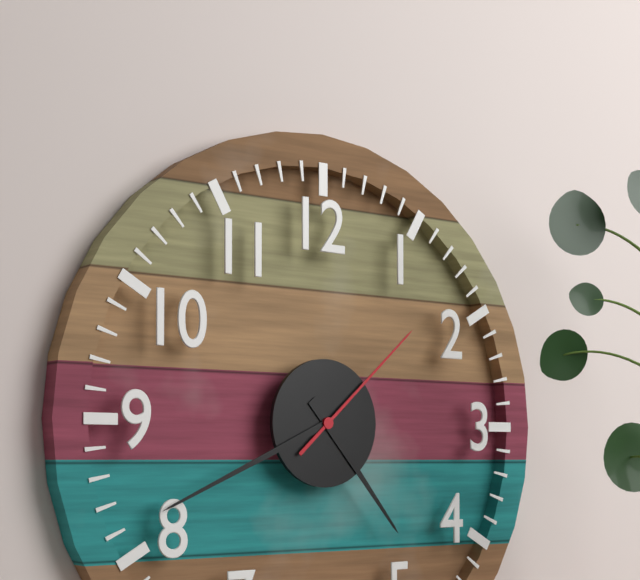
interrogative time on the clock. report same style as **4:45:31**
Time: **4:41:08**
